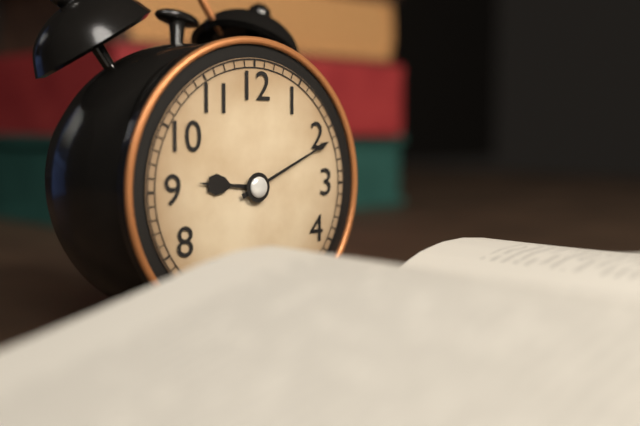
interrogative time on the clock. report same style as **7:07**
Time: **9:11**
